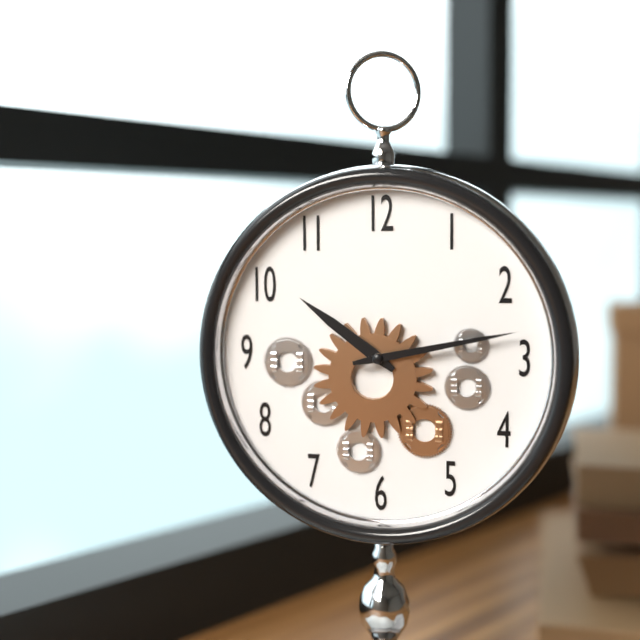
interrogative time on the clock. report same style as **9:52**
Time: **10:13**
